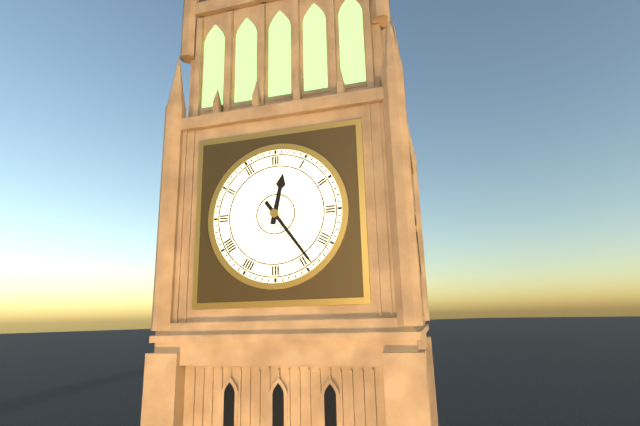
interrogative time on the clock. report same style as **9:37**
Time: **12:24**
